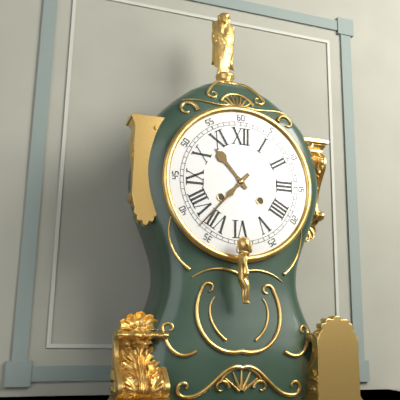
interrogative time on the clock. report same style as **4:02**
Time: **10:37**
